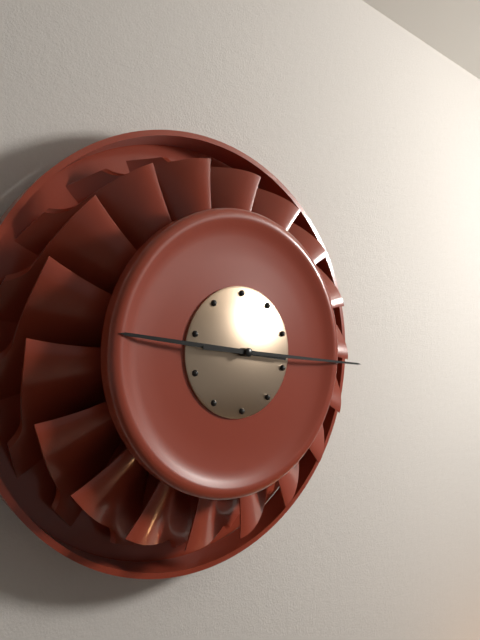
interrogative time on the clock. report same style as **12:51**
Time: **9:16**
